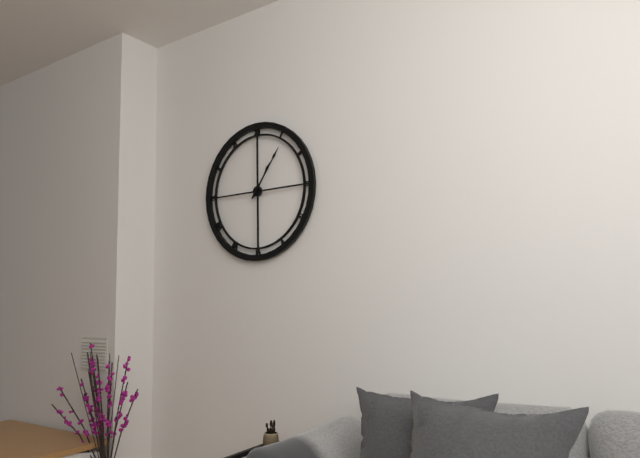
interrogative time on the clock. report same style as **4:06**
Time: **1:06**
